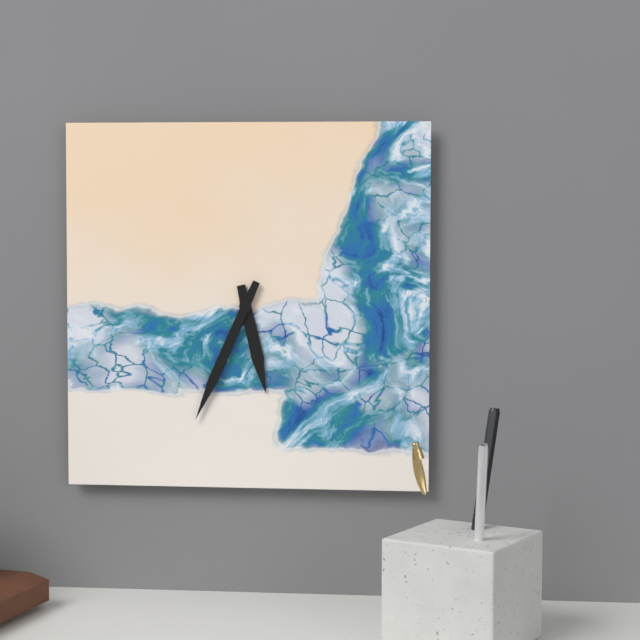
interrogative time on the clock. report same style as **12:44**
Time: **5:34**
